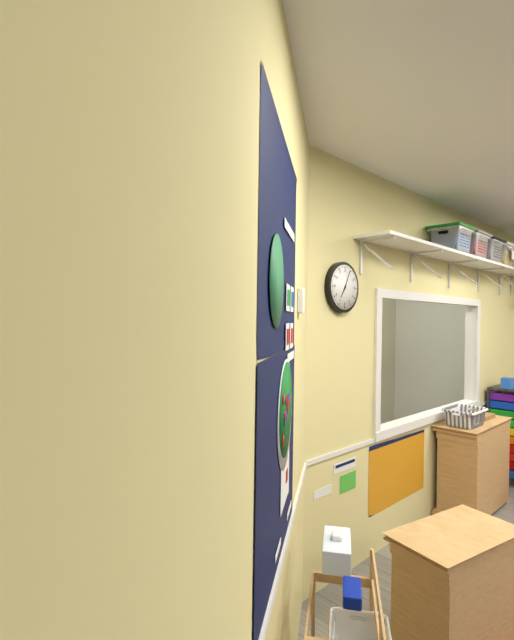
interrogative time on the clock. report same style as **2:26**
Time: **7:04**
